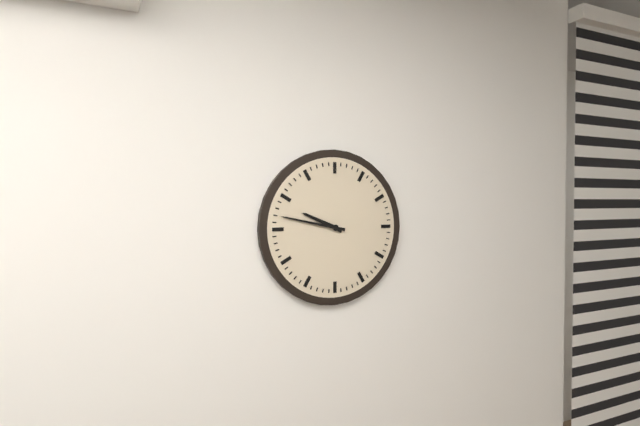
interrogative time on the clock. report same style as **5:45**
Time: **9:47**
